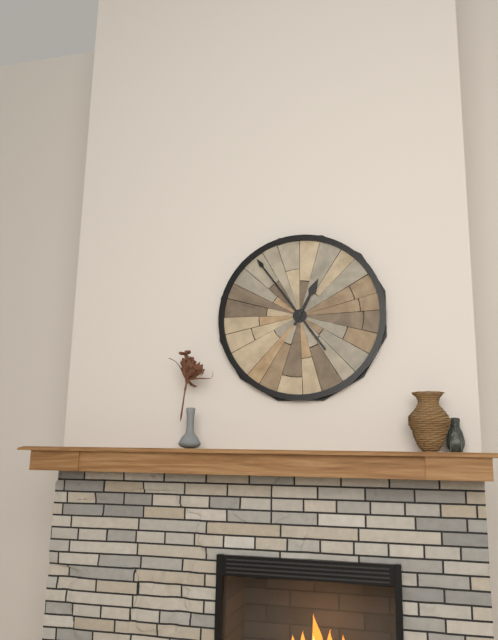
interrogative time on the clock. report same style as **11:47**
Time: **12:54**
